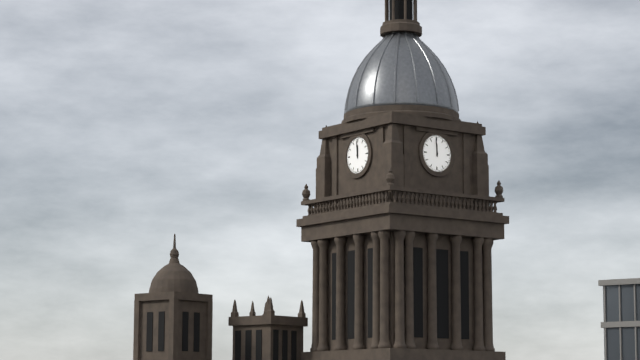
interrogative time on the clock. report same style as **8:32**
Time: **11:59**
